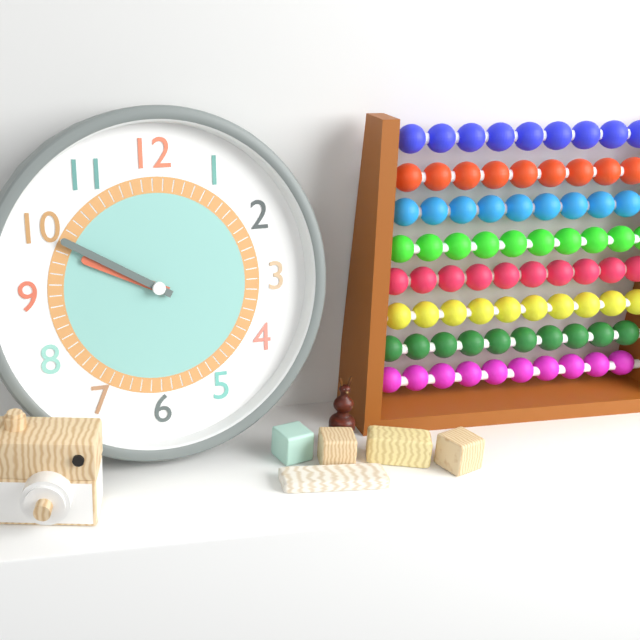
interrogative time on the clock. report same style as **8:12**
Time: **9:50**
